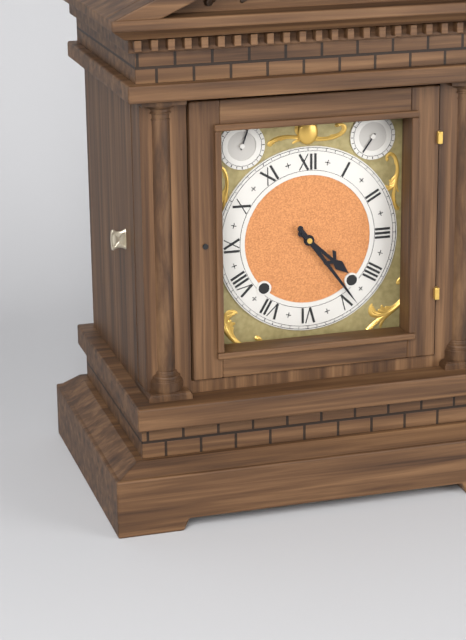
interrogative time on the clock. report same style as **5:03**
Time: **4:24**
